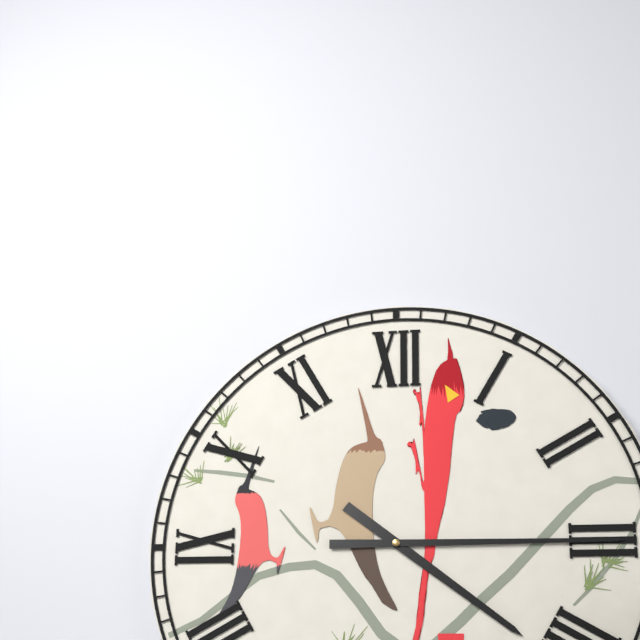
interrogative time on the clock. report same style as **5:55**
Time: **4:15**
